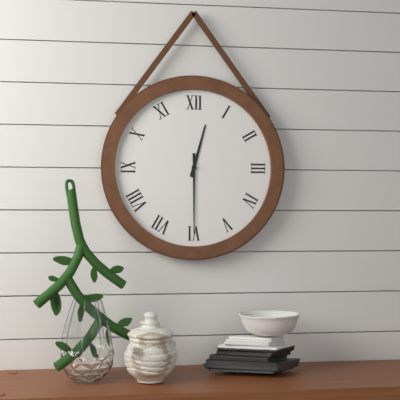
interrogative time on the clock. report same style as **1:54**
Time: **12:30**
